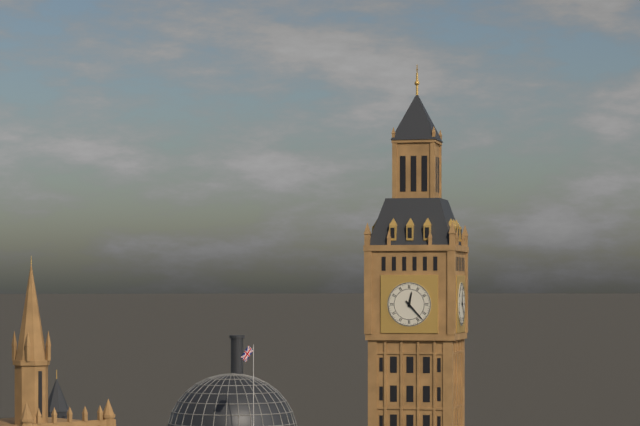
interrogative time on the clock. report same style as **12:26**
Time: **12:23**
